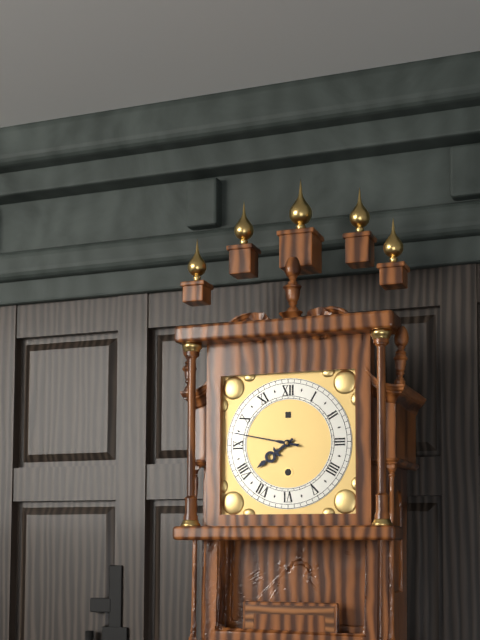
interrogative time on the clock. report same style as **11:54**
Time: **7:47**
